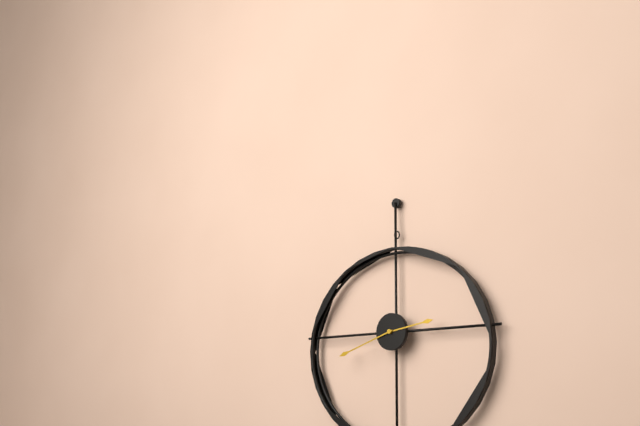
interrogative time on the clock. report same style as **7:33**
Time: **2:42**
